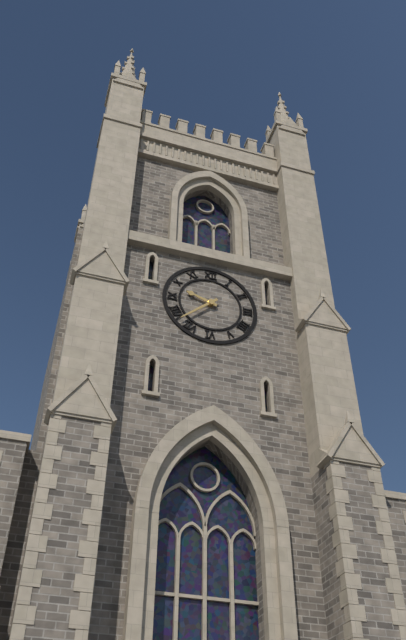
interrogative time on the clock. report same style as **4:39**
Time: **9:38**
